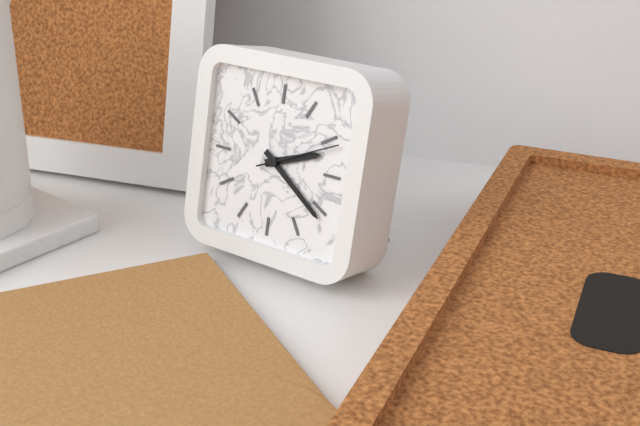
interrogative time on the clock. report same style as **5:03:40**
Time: **2:21:11**
